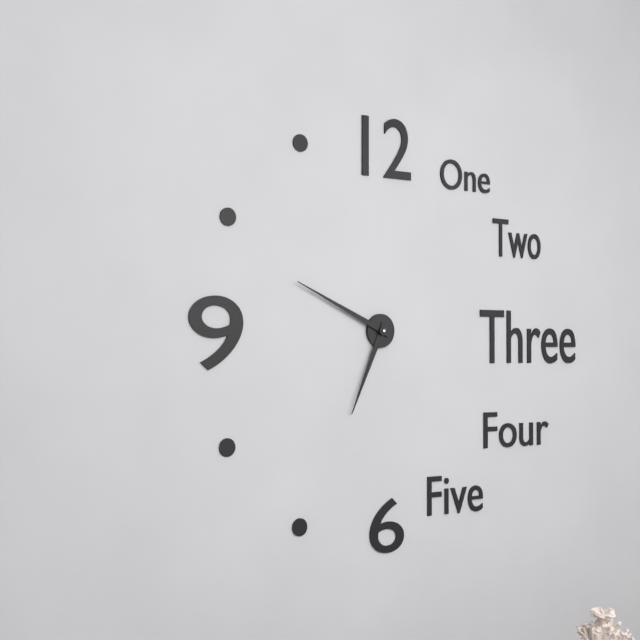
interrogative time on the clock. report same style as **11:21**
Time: **6:49**
